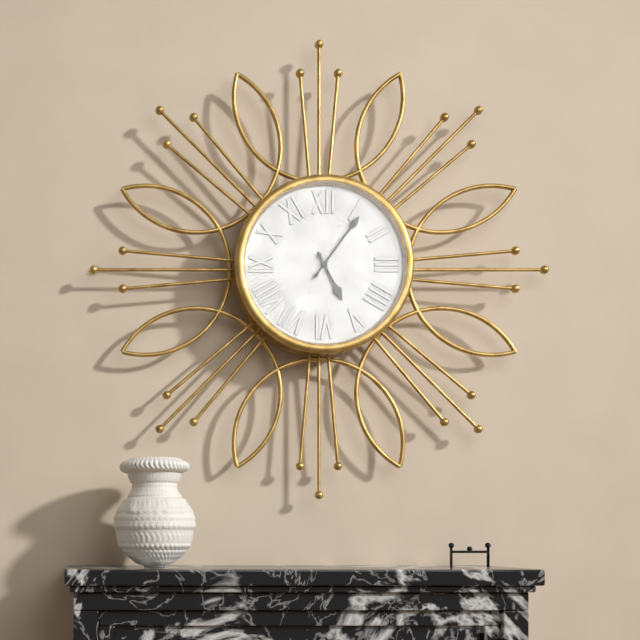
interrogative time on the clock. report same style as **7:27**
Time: **5:06**
